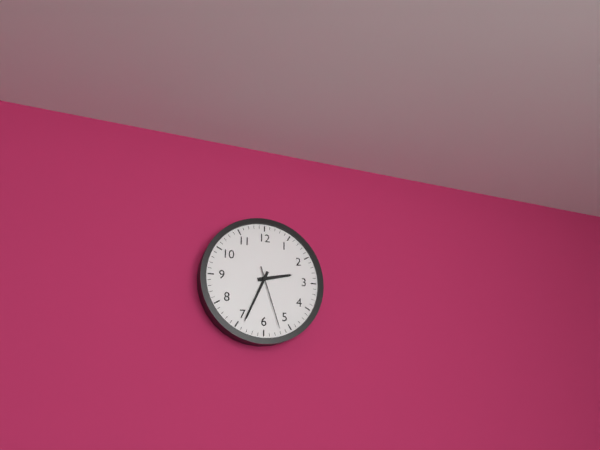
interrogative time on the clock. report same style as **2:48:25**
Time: **2:34:27**
